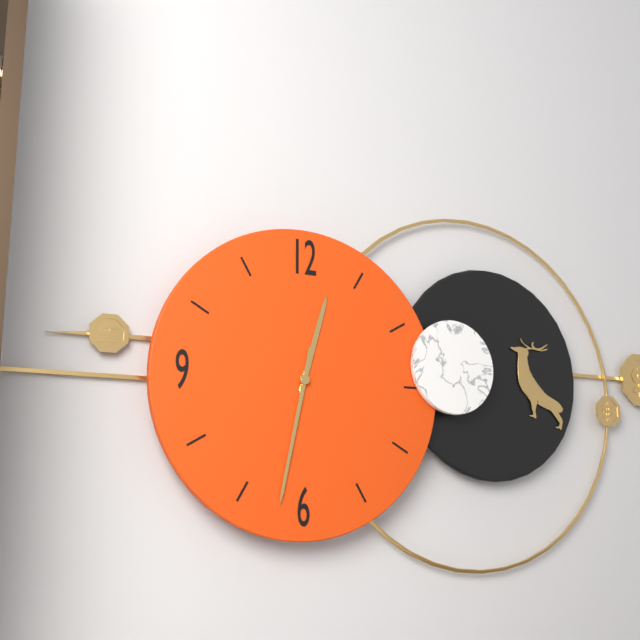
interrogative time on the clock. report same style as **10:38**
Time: **12:32**
